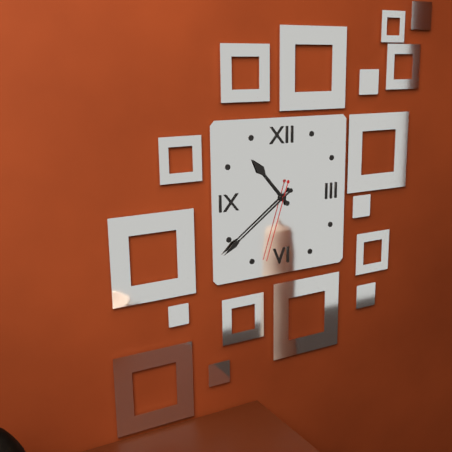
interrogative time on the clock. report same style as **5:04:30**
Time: **10:39:33**
